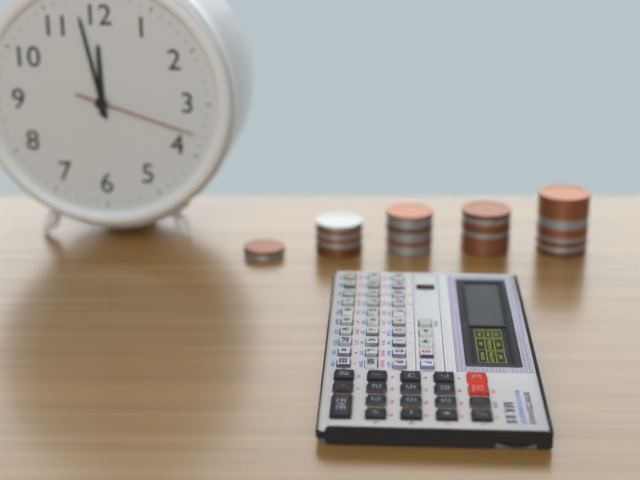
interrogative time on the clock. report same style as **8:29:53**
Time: **11:58:18**
